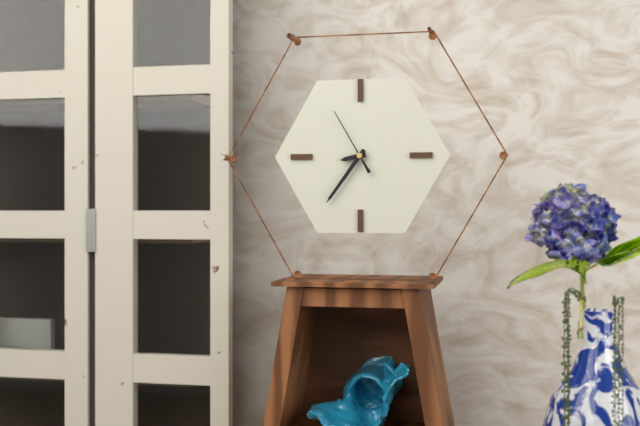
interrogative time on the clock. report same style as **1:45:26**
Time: **8:36:55**
